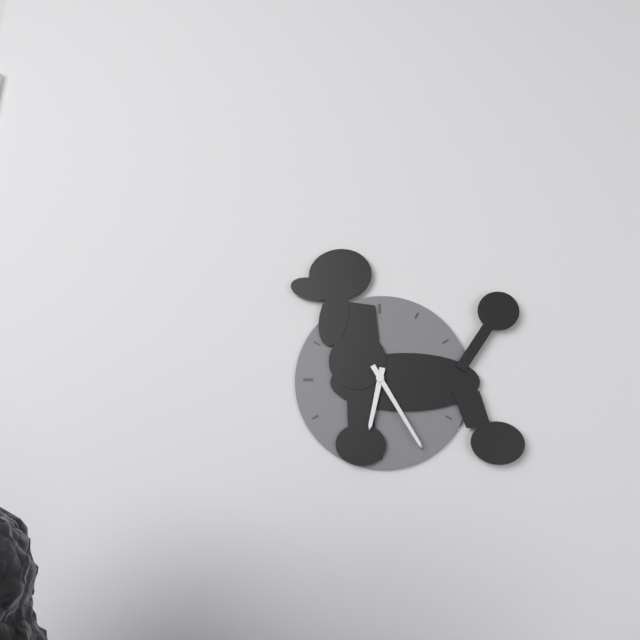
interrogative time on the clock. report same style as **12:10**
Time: **6:25**
